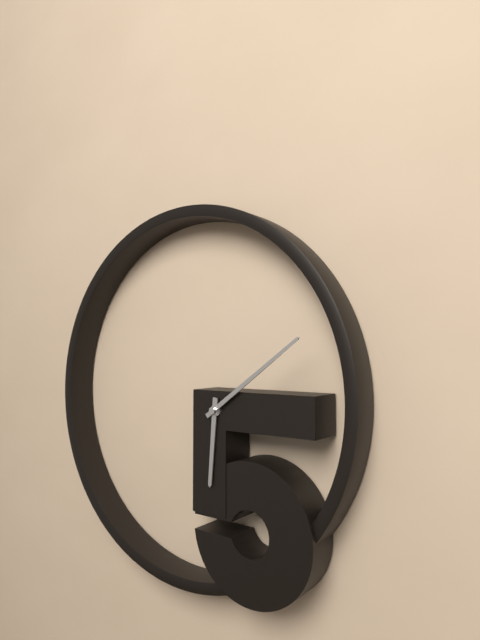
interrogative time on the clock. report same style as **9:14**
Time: **6:09**
